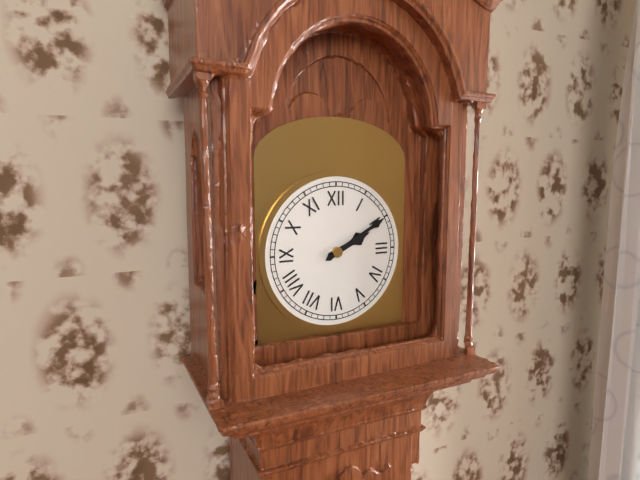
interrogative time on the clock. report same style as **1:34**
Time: **2:10**
